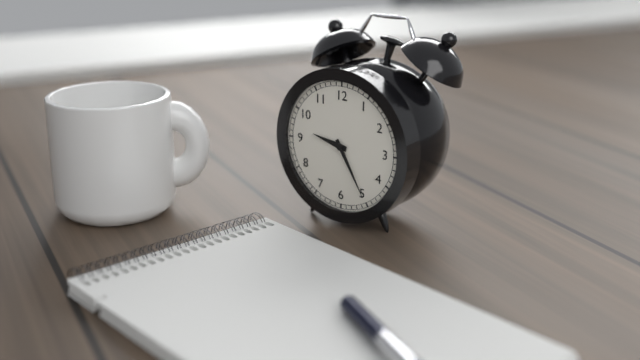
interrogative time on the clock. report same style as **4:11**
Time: **9:25**
